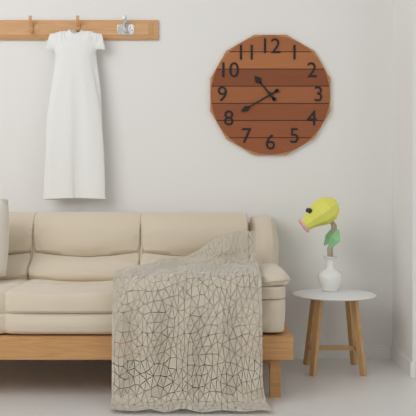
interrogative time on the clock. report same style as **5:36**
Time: **10:40**
